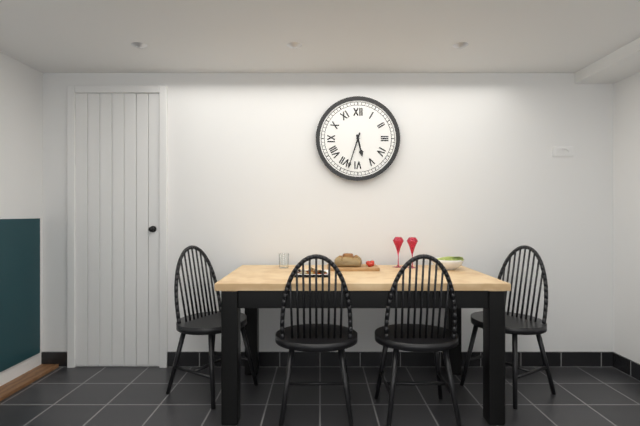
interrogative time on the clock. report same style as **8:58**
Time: **5:33**
